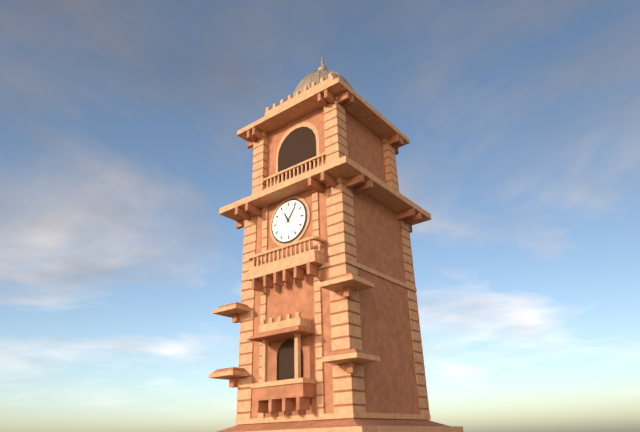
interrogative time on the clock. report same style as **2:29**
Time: **11:06**
